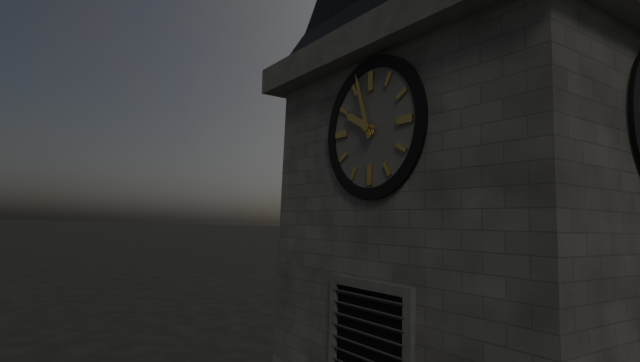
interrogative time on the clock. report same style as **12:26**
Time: **9:57**
